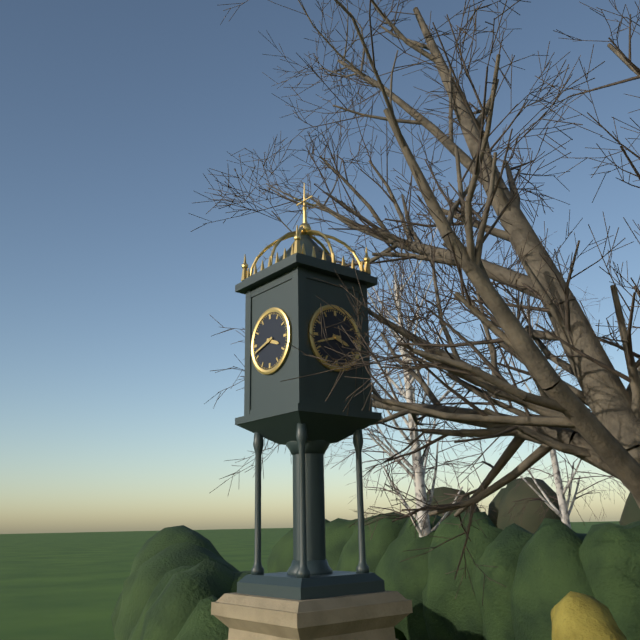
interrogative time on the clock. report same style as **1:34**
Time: **3:42**
